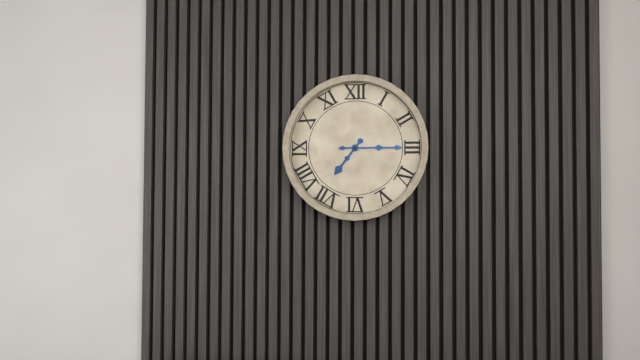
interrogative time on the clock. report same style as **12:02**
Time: **7:15**
